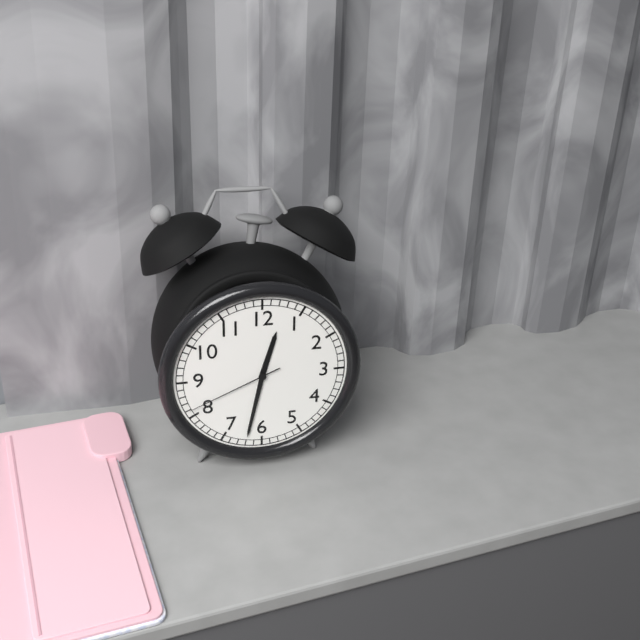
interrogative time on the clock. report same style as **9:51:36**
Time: **12:32:41**
